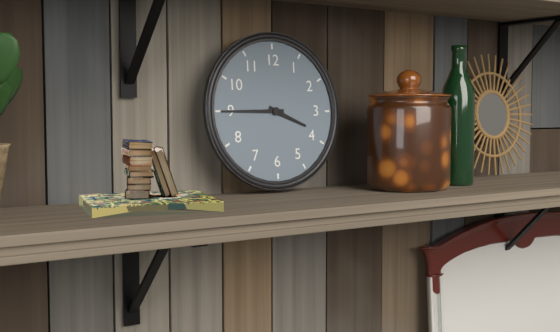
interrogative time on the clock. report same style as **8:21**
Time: **3:45**
